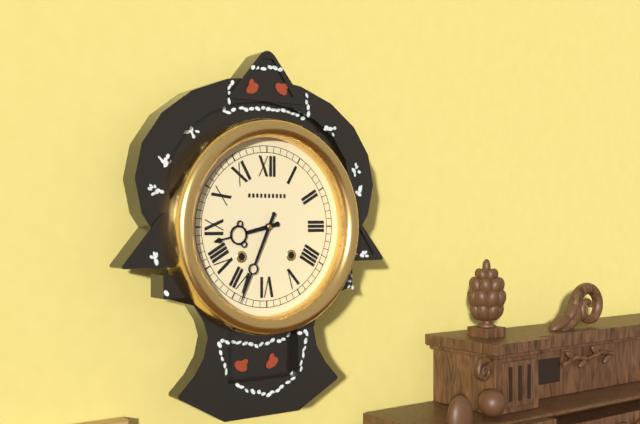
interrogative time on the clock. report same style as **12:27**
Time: **8:34**
